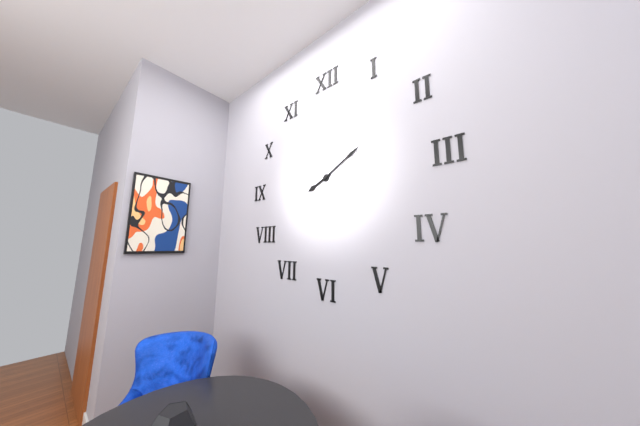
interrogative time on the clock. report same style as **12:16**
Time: **8:10**
